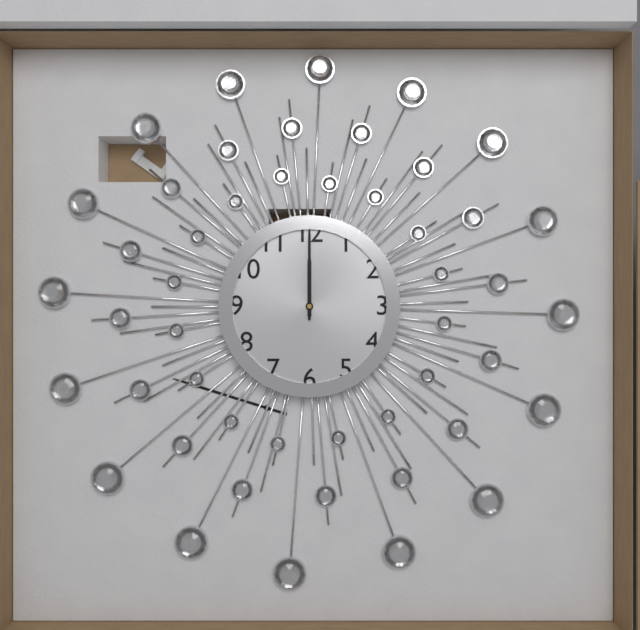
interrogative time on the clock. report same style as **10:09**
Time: **12:00**
